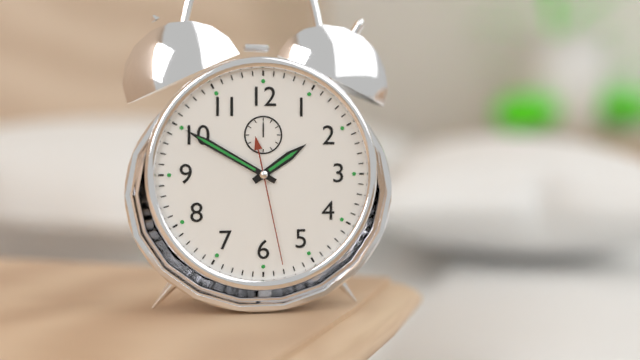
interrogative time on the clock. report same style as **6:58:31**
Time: **1:50:28**
